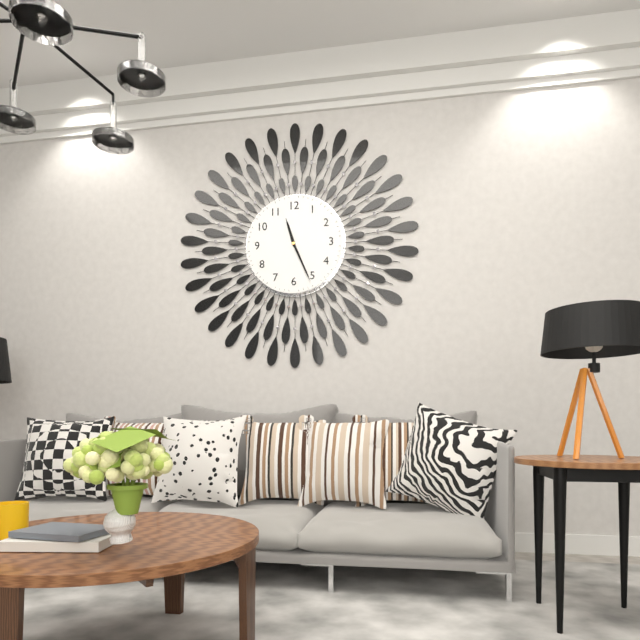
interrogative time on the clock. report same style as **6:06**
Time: **11:26**
